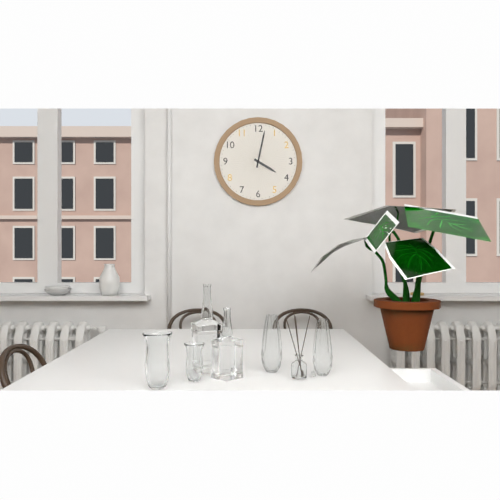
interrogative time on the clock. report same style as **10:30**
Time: **4:02**
